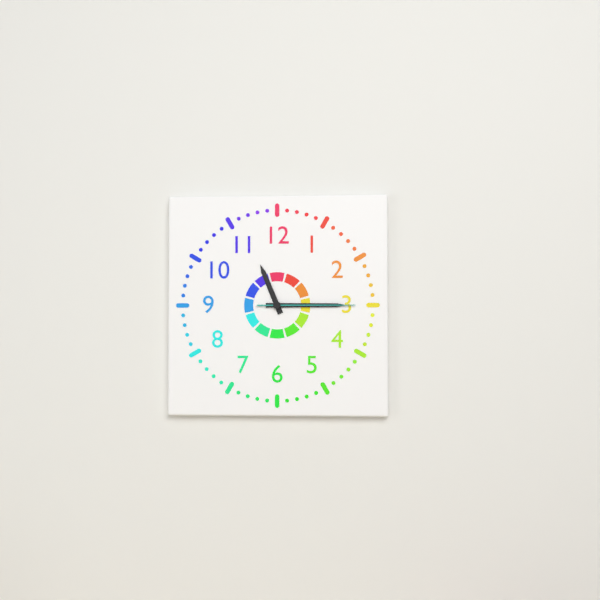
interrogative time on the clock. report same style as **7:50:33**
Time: **11:15:15**
